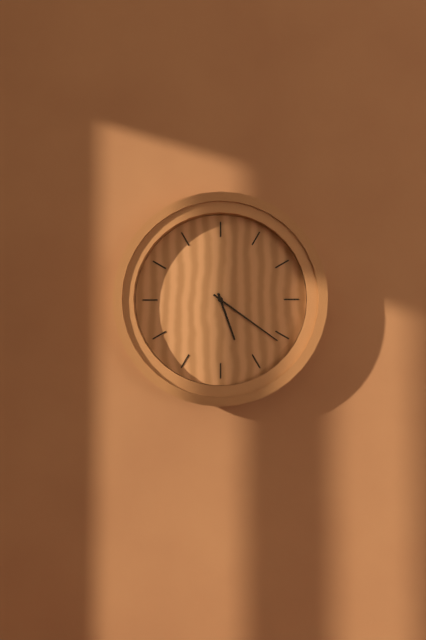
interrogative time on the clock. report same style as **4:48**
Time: **5:21**
